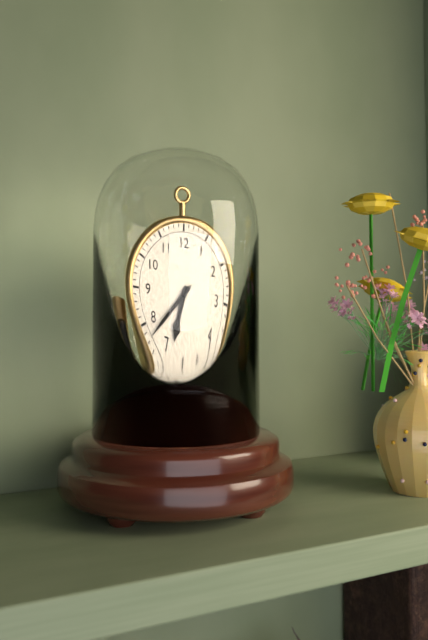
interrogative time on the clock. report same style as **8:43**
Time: **6:38**
